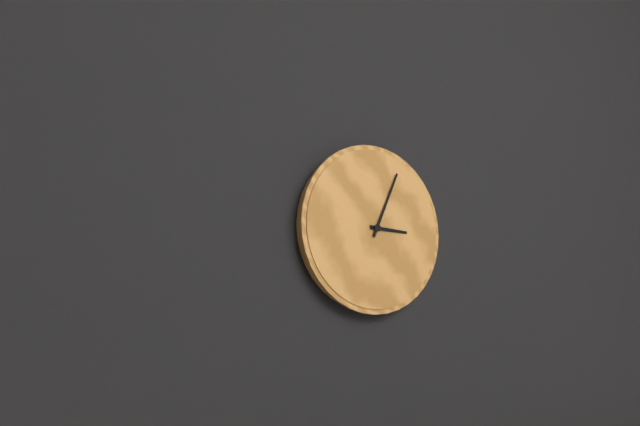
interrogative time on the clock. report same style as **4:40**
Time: **3:04**
